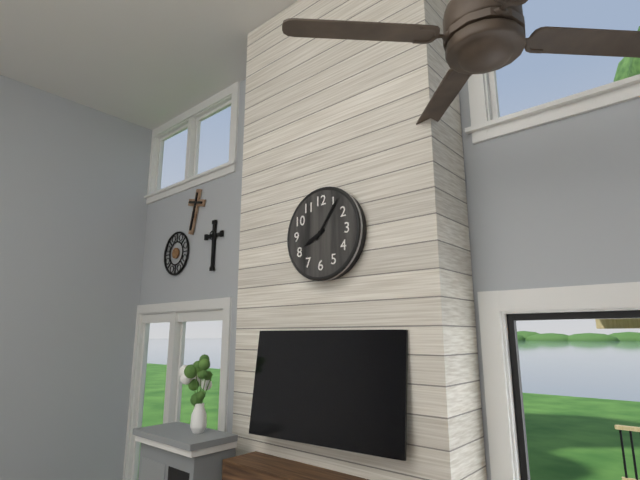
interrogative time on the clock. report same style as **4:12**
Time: **8:06**
